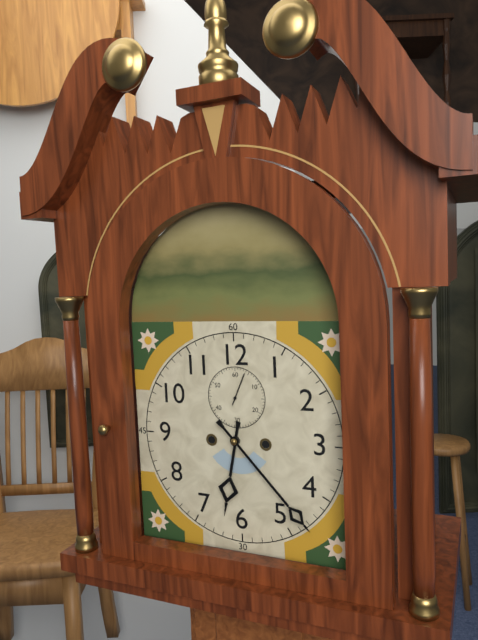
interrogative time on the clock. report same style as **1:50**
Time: **6:23**
